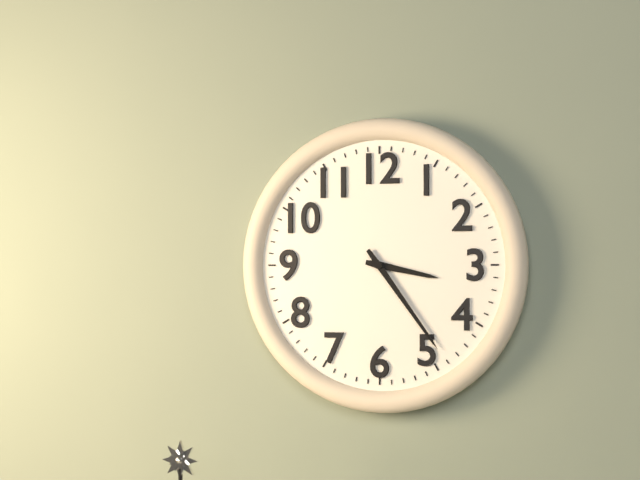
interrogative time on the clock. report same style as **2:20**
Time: **3:24**
